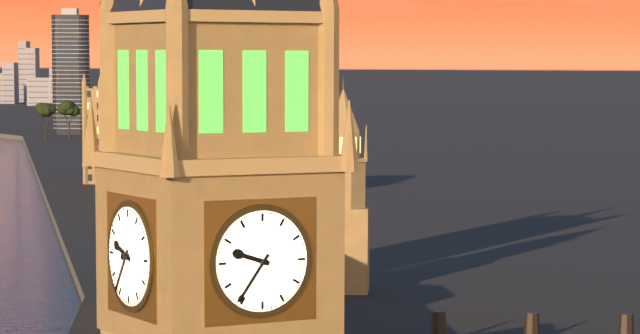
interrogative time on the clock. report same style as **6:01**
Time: **9:36**
